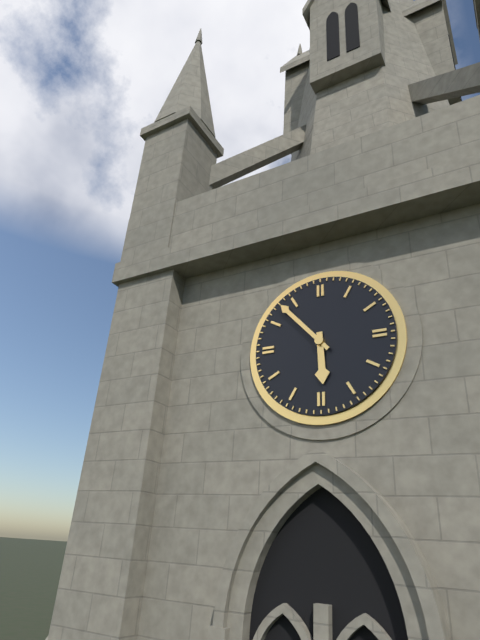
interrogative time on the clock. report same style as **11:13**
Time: **5:53**
